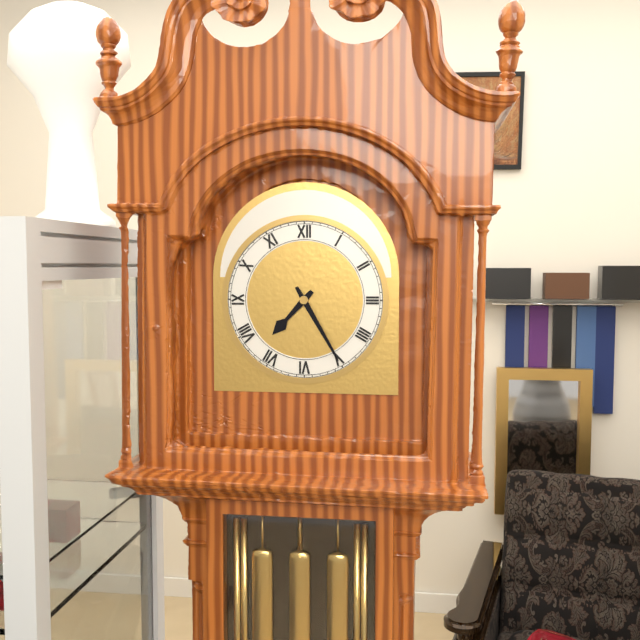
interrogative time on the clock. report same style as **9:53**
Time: **7:25**
